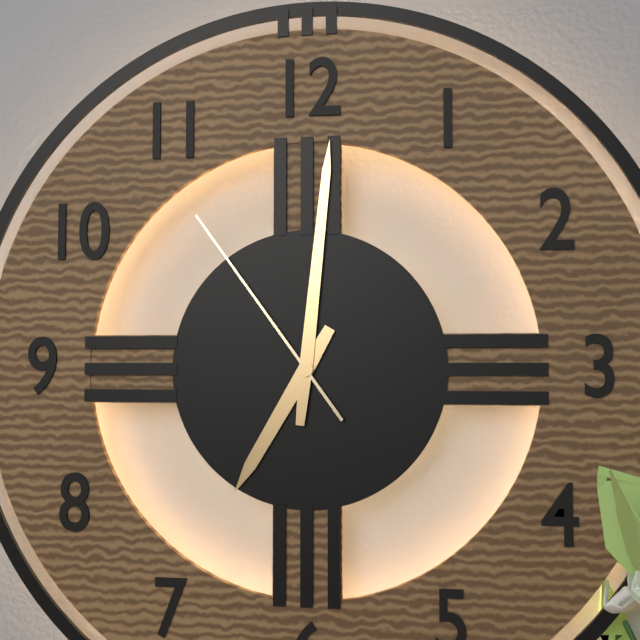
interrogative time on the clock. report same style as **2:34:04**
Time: **7:01:54**
